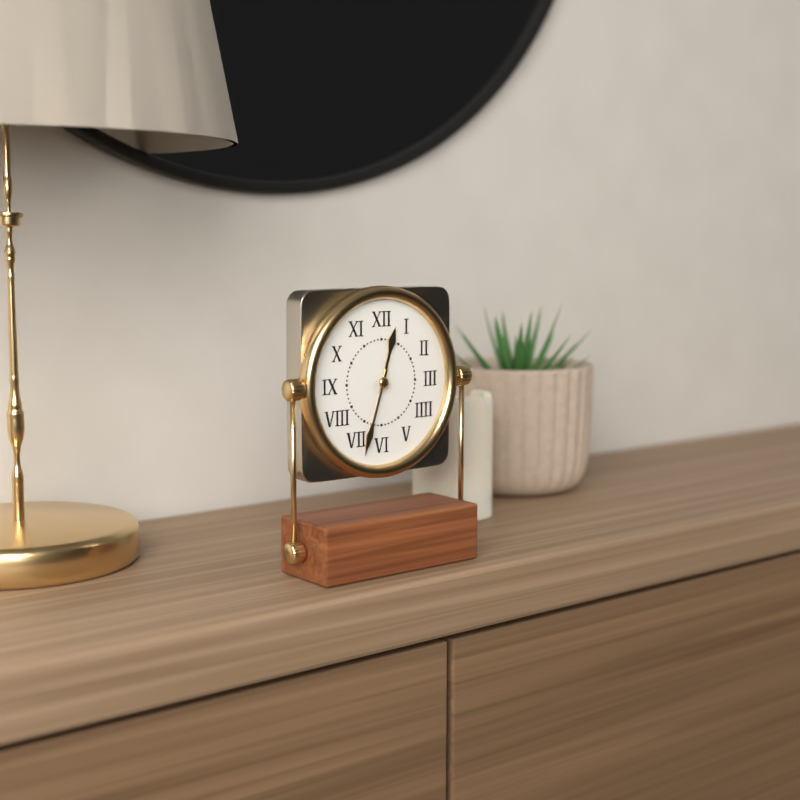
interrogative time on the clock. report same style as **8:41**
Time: **12:33**
